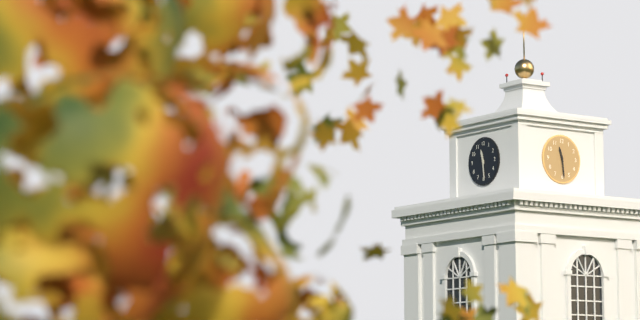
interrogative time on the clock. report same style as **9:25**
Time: **11:29**
